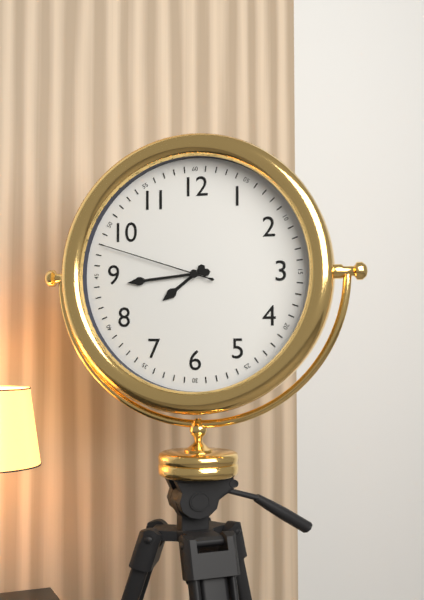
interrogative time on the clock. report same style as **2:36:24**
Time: **7:44:48**
